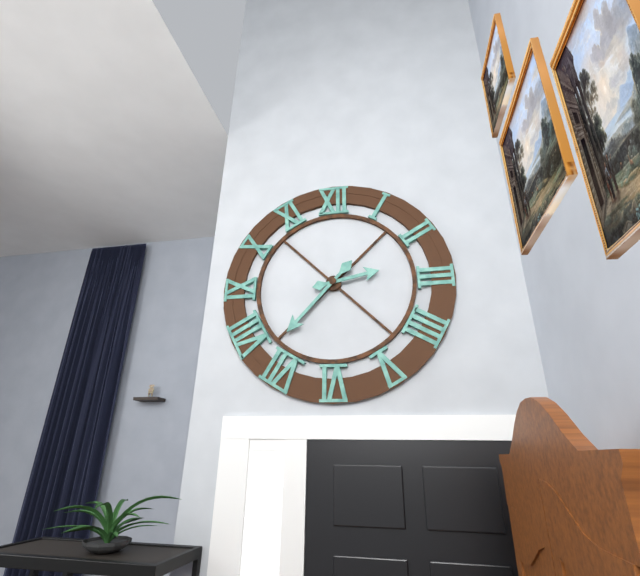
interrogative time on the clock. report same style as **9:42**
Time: **2:37**
